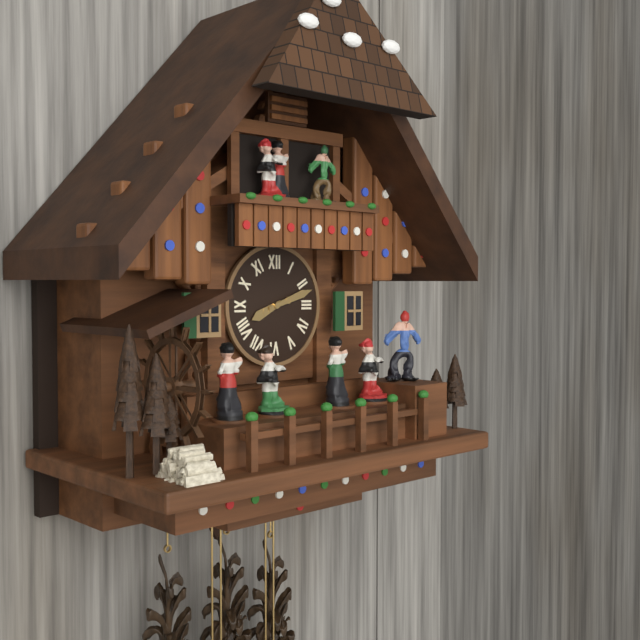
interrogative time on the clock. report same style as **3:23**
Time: **8:12**
